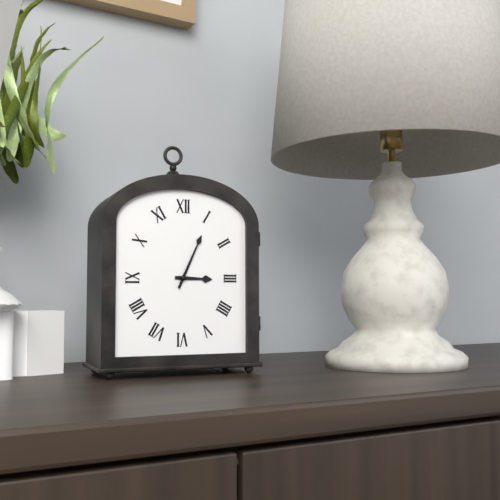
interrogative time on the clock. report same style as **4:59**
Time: **3:04**
